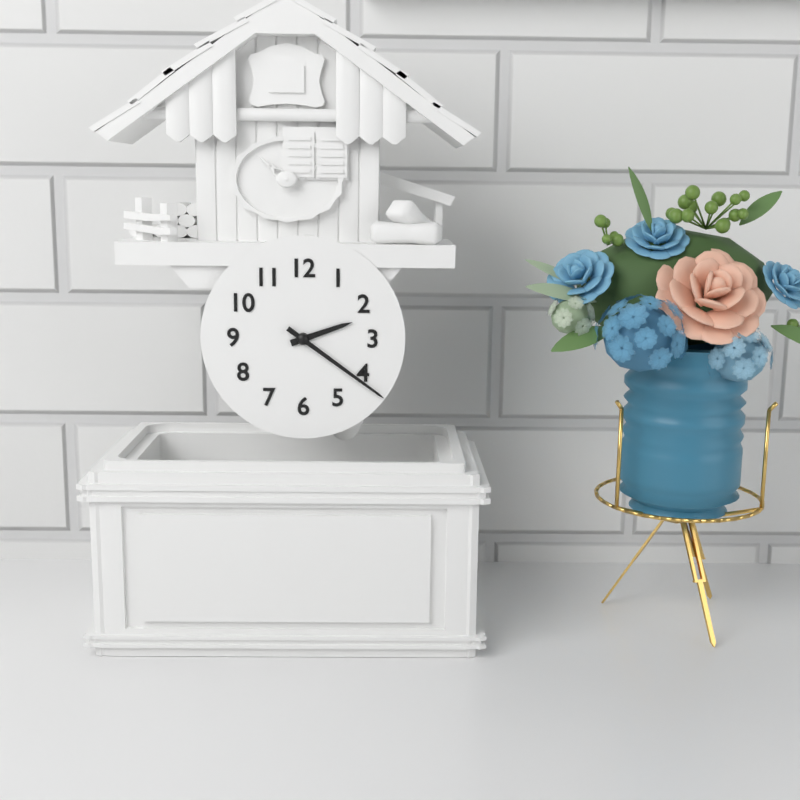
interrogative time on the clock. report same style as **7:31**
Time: **2:21**
